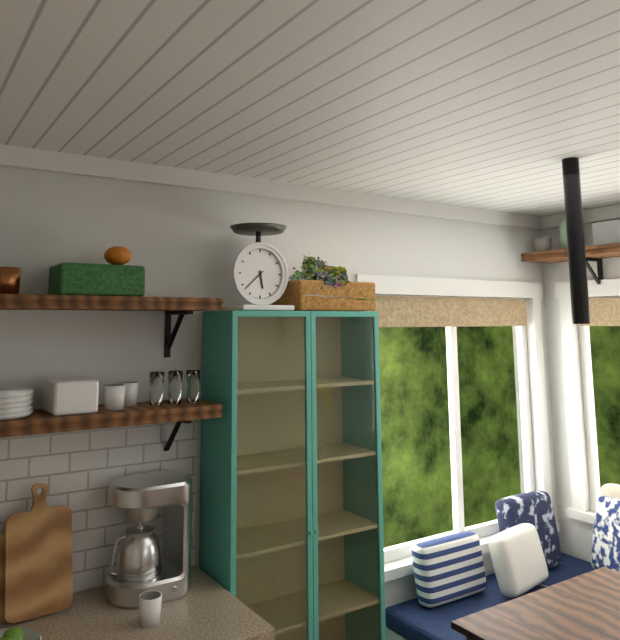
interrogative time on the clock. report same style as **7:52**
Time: **5:38**
